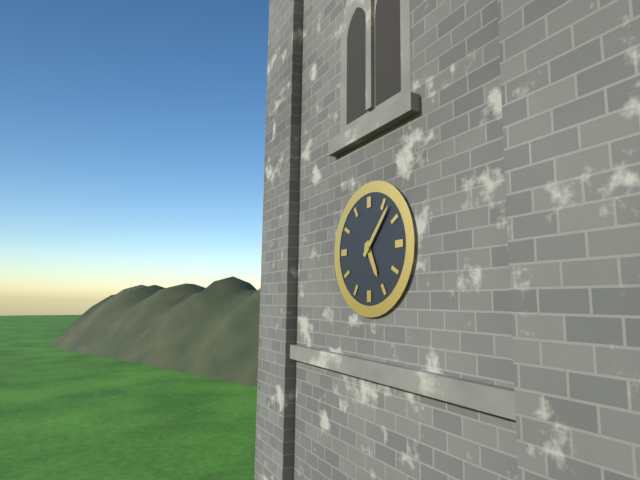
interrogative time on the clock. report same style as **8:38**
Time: **5:07**
